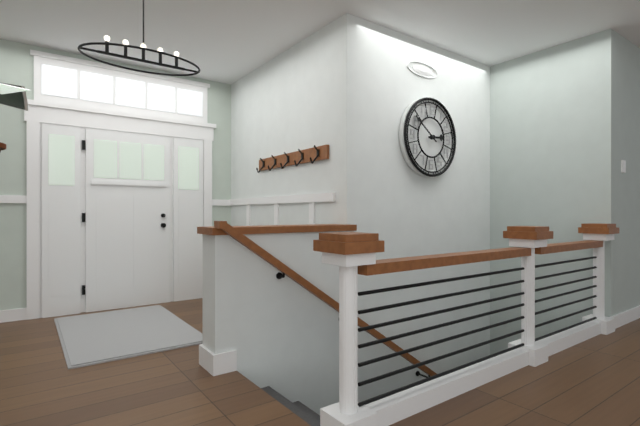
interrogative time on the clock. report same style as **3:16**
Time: **2:51**
